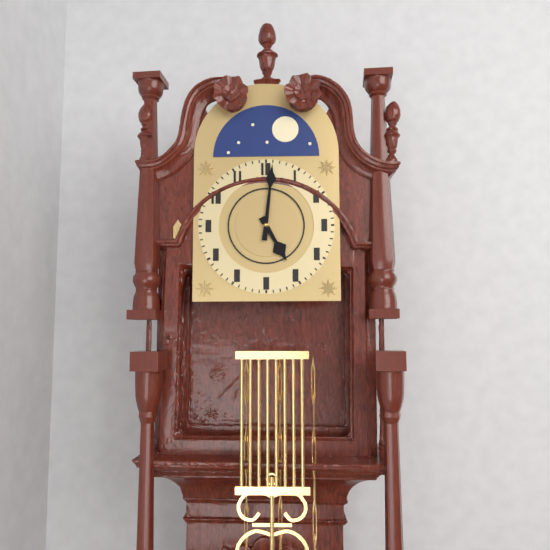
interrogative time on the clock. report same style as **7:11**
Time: **5:01**
